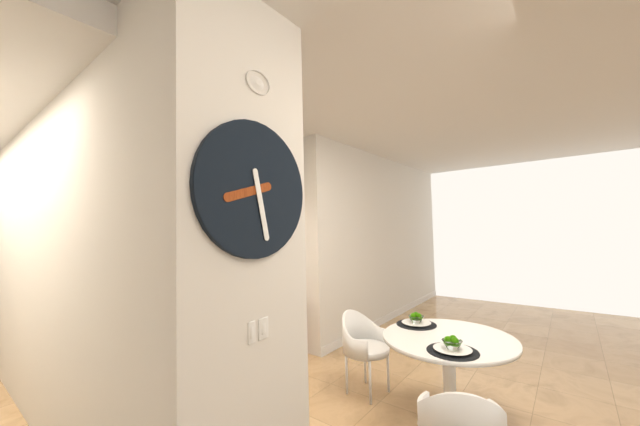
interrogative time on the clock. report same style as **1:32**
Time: **8:28**
